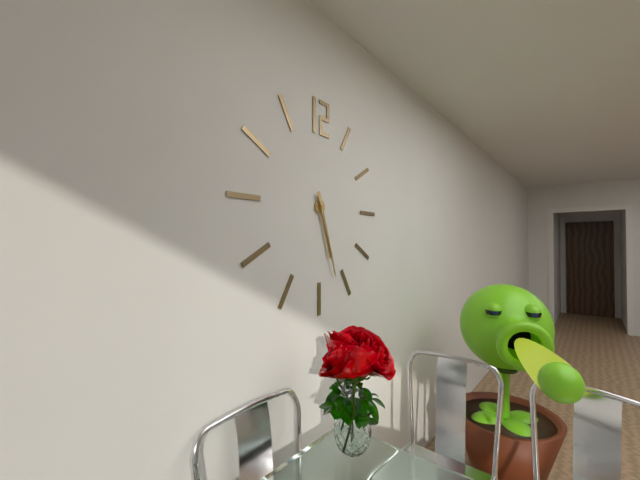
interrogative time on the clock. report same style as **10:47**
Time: **5:27**
